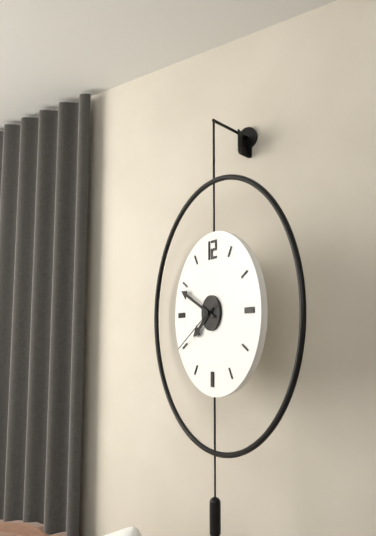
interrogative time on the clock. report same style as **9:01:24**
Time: **7:49:40**
